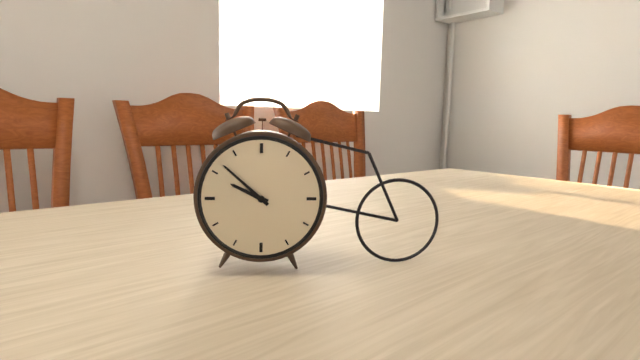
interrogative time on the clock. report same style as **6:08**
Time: **9:52**
